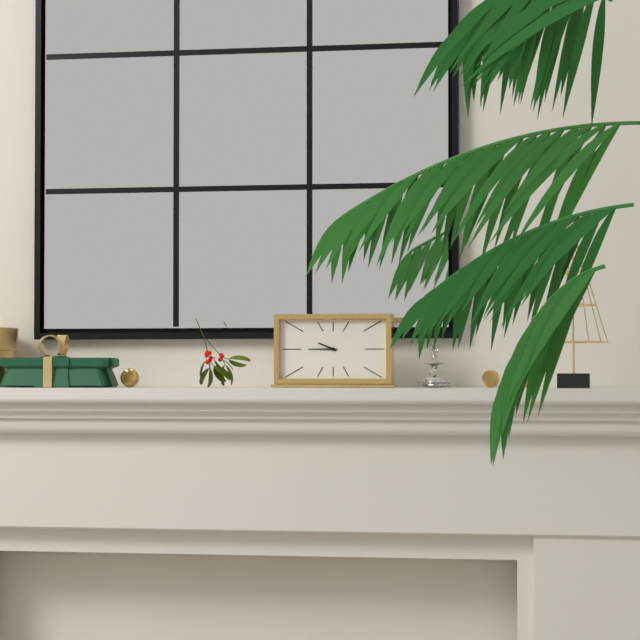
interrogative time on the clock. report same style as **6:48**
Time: **9:45**
